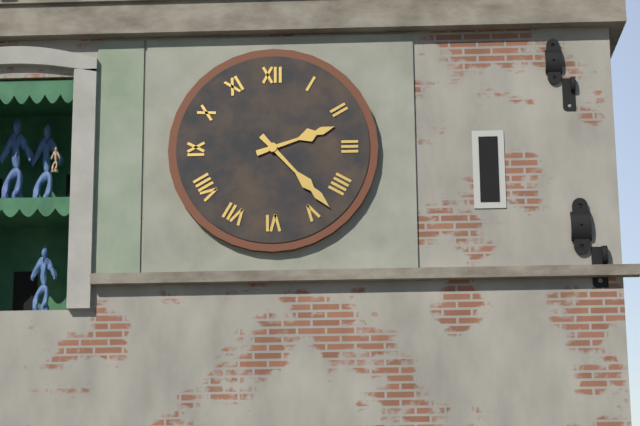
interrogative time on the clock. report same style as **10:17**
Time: **2:23**
